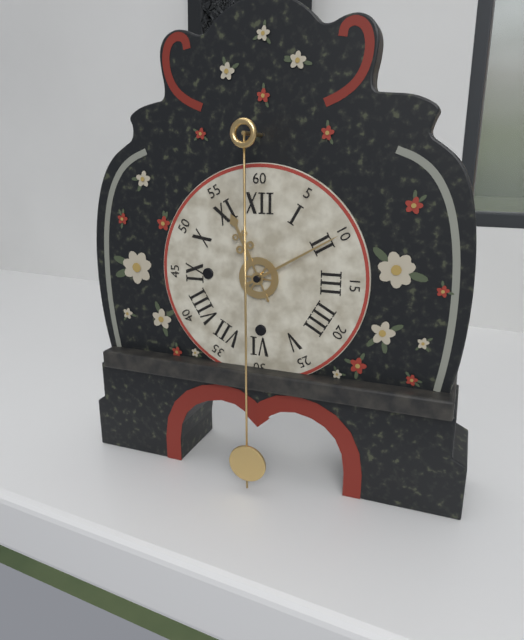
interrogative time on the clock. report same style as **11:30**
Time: **11:10**
